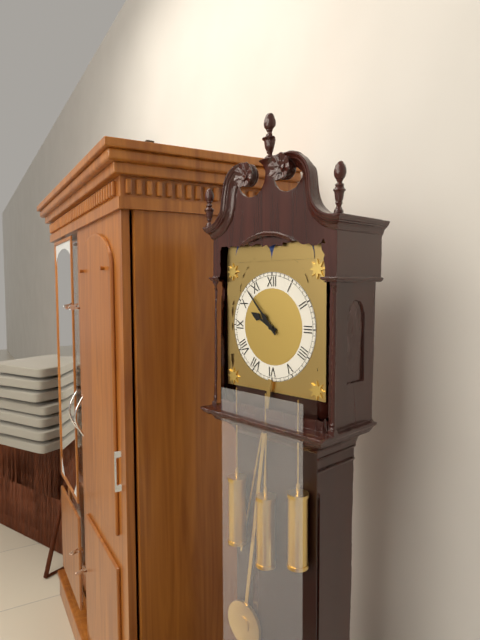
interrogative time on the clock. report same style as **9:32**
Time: **9:53**
